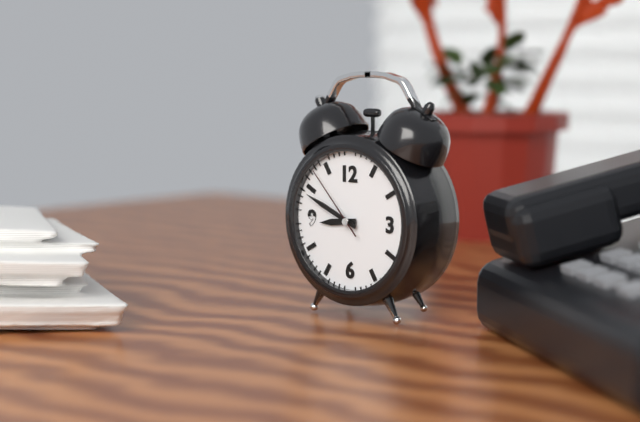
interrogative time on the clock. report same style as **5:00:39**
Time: **8:49:53**
